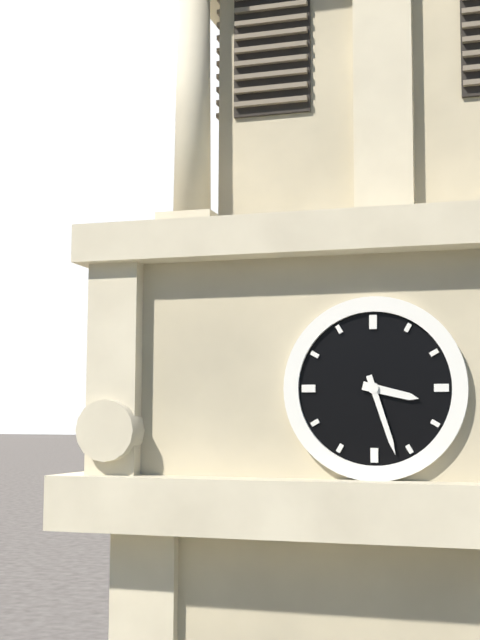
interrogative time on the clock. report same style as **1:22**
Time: **3:27**
